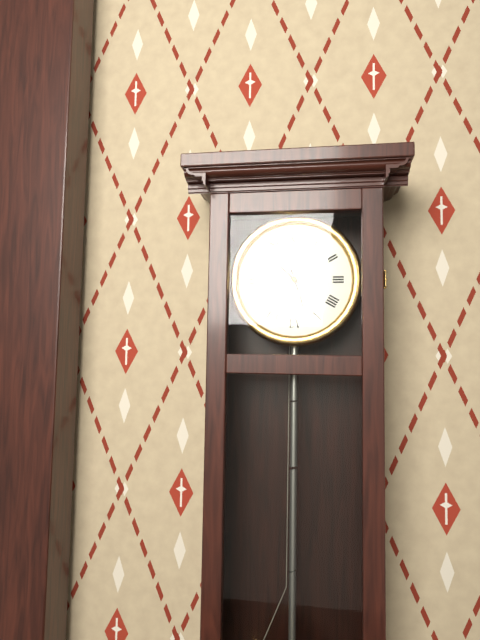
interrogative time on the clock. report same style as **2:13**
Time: **10:27**
